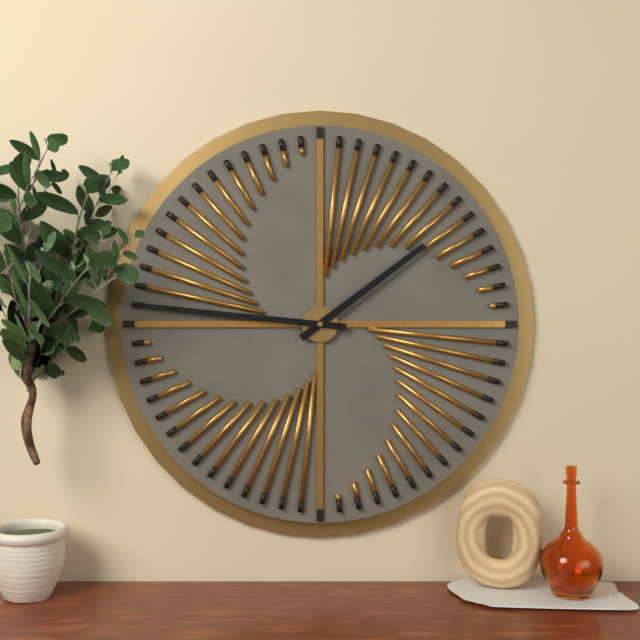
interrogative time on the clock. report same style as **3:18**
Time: **1:46**
